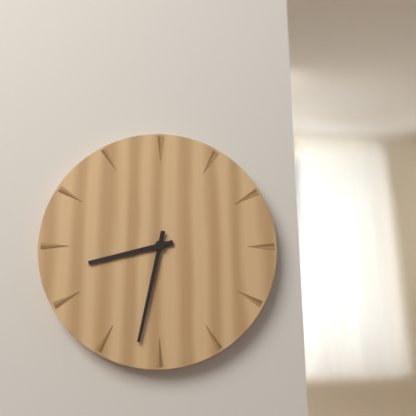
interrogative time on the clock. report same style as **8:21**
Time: **8:32**
